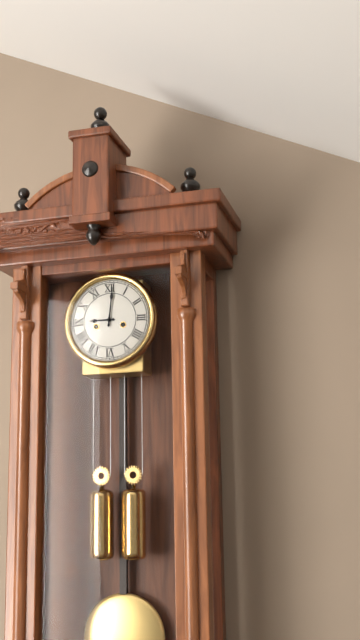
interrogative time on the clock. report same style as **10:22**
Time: **9:01**
